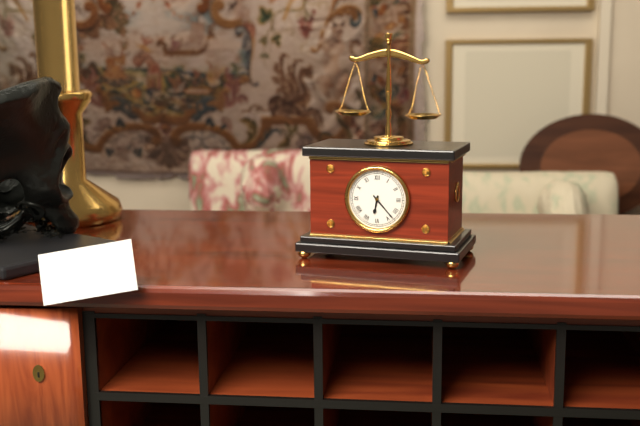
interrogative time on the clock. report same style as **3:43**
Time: **6:23**
